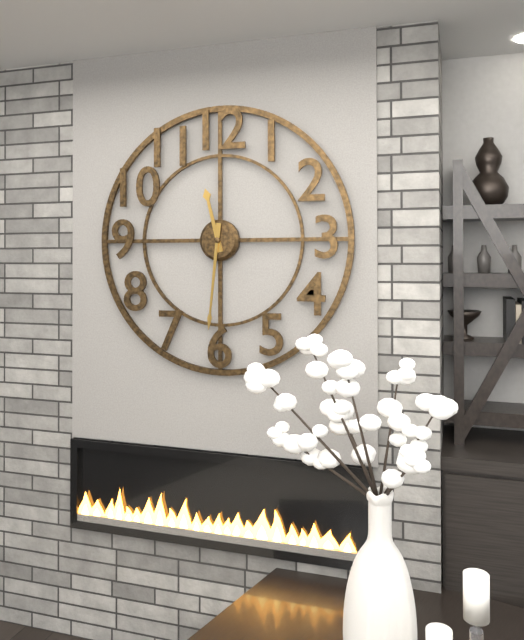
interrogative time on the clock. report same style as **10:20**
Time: **11:31**
